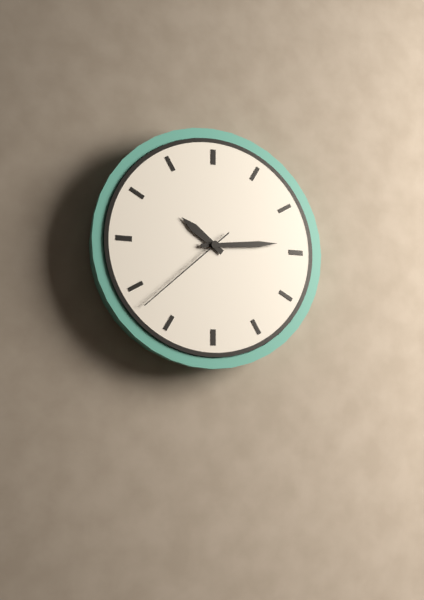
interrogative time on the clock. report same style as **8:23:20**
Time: **10:14:38**
